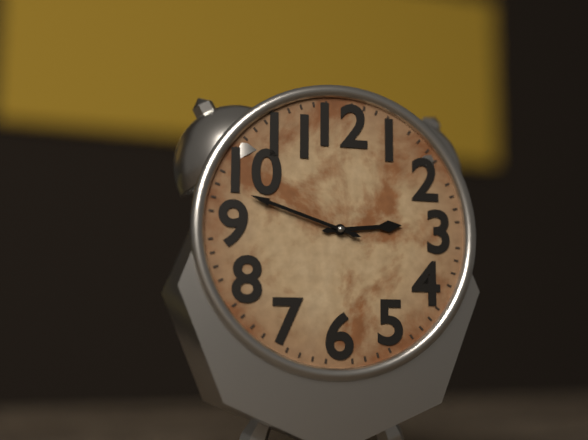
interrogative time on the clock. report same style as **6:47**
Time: **2:48**
